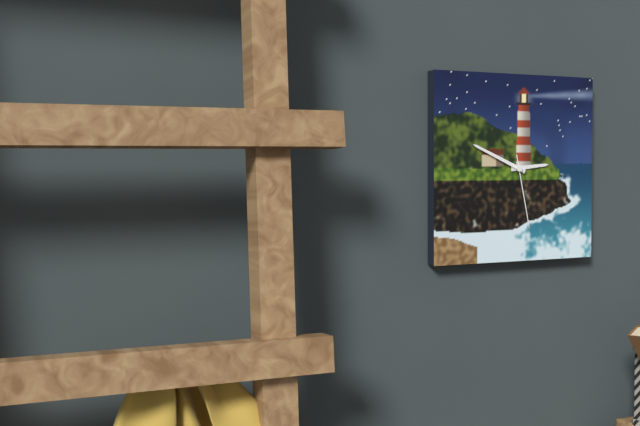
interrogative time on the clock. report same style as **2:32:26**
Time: **2:49:28**
